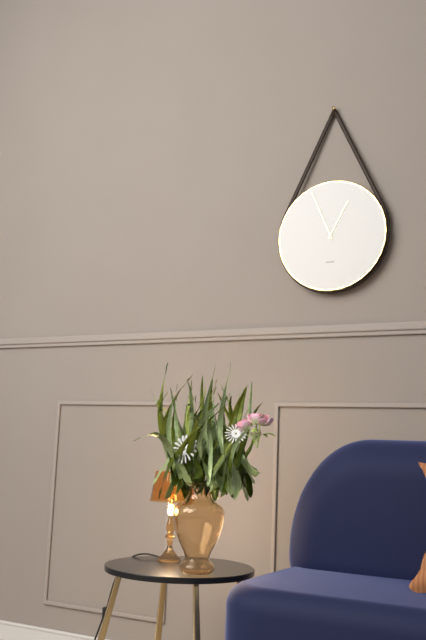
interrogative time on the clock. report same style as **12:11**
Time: **12:56**
